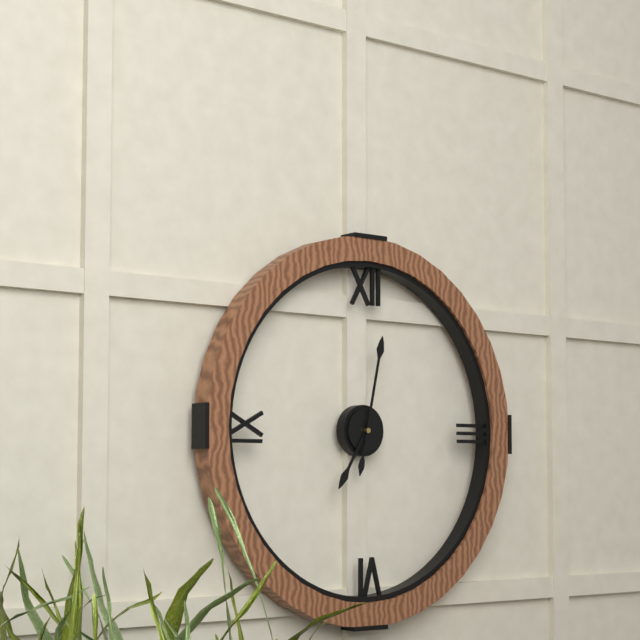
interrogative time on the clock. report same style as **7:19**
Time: **7:02**
